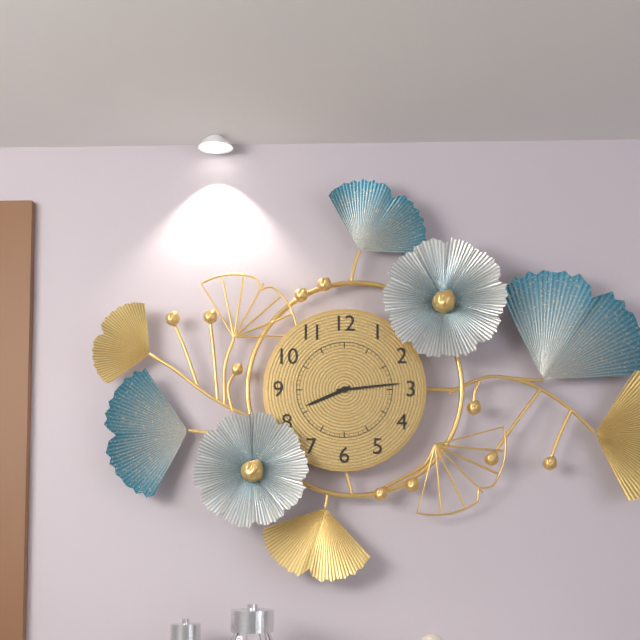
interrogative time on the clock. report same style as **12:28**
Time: **8:14**
